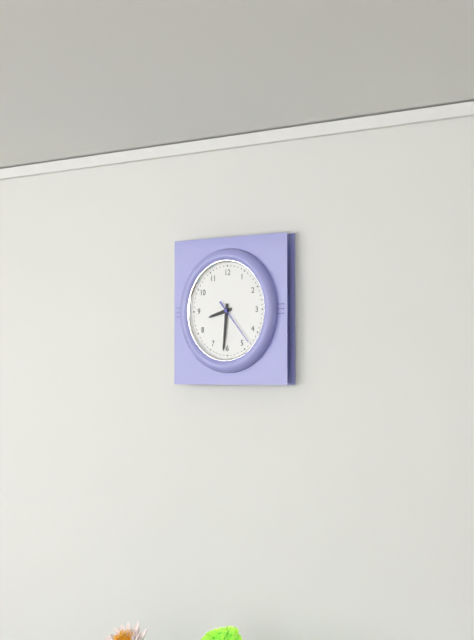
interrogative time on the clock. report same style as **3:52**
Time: **8:31**
